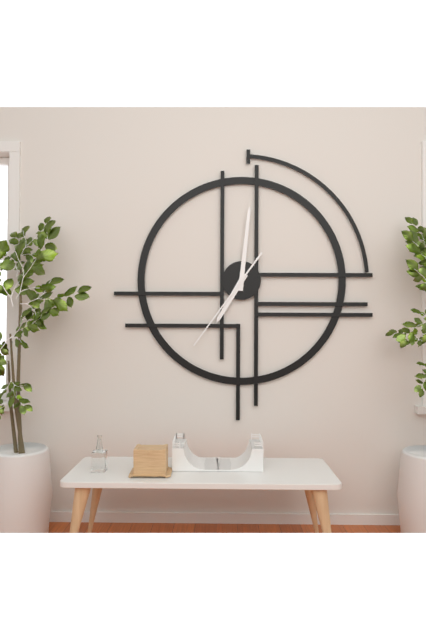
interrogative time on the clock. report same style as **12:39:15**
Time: **7:01:36**
